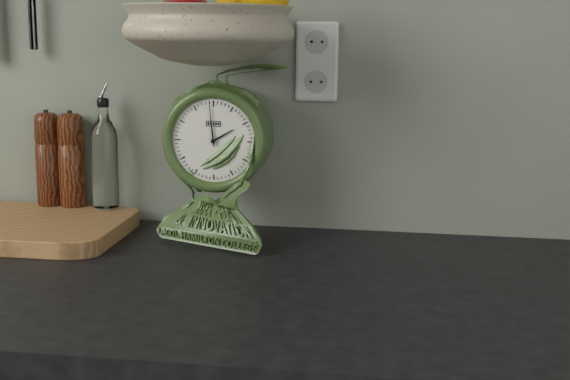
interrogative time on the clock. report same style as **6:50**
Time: **1:59**
